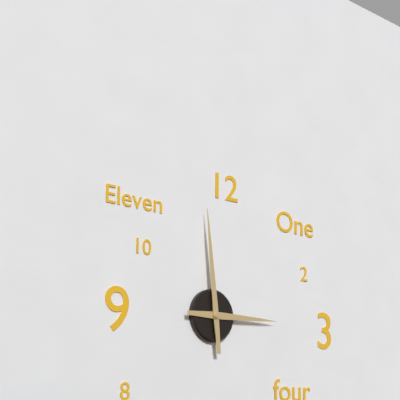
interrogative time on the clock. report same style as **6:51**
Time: **2:59**
